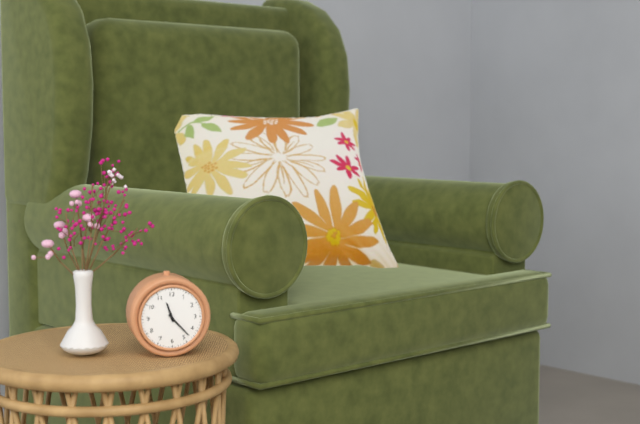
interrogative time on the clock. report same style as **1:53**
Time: **11:23**
